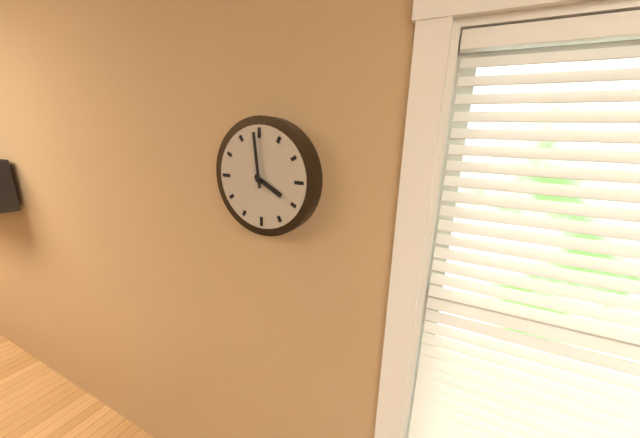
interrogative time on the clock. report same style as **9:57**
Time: **3:59**
